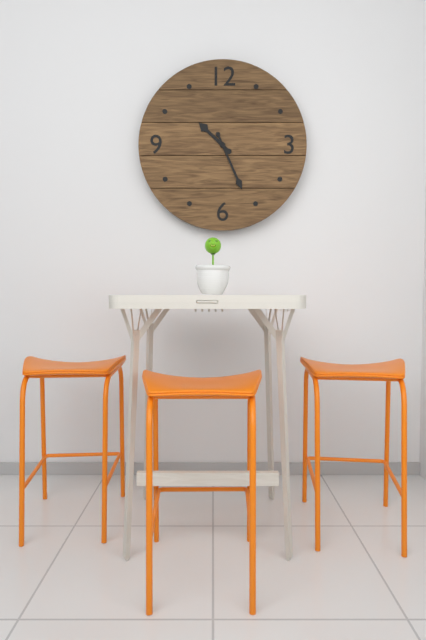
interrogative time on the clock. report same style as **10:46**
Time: **10:26**
